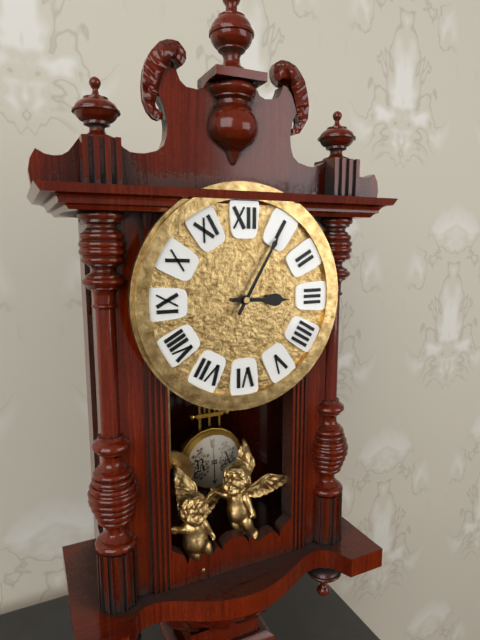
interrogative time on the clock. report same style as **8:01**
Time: **3:05**
